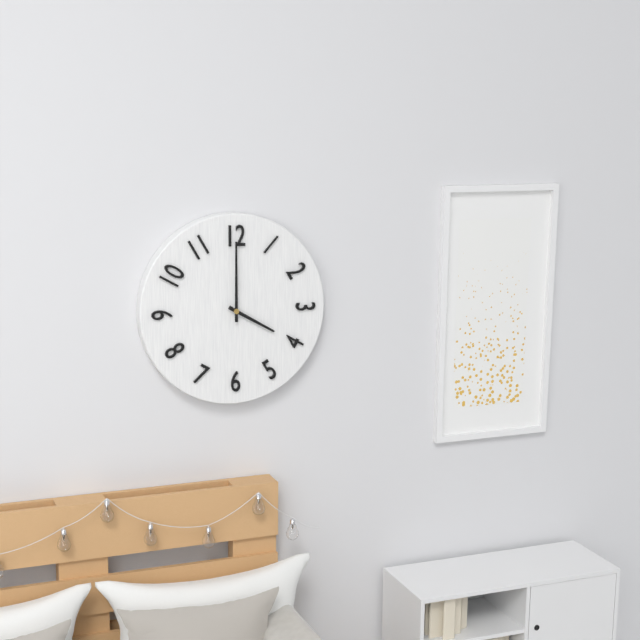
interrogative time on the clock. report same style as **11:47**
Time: **4:00**
